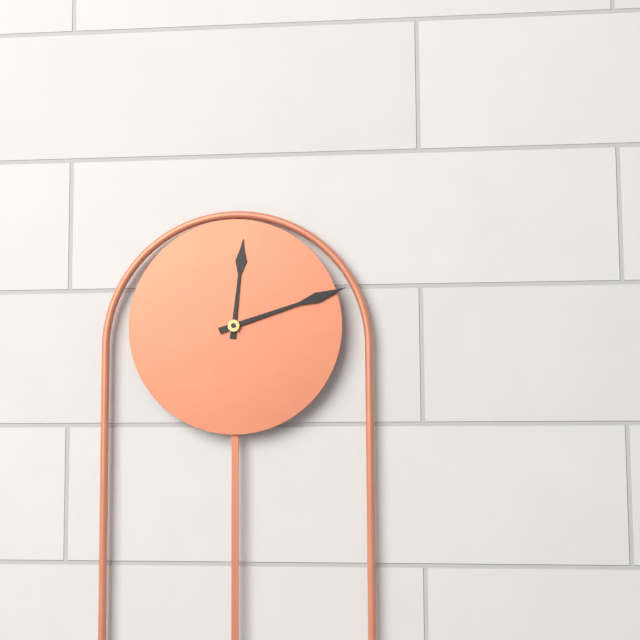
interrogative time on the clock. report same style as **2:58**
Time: **12:12**
